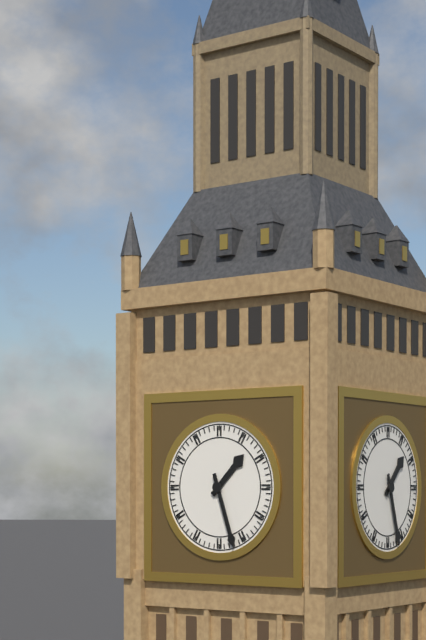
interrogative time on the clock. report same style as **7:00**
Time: **1:27**
